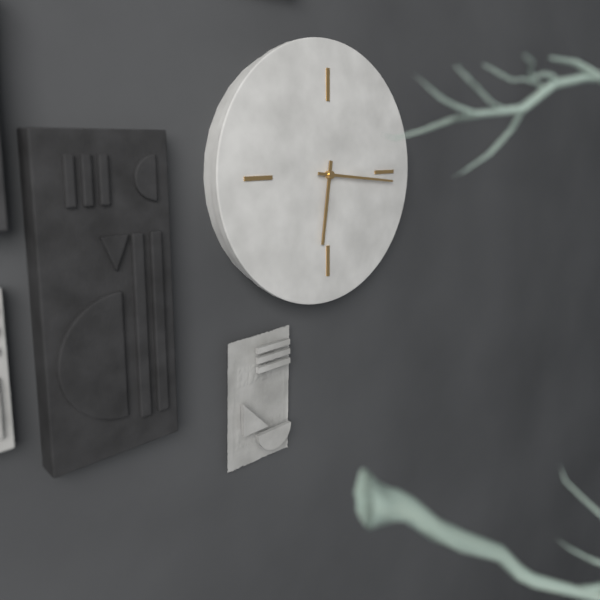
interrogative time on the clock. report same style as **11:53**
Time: **6:16**
